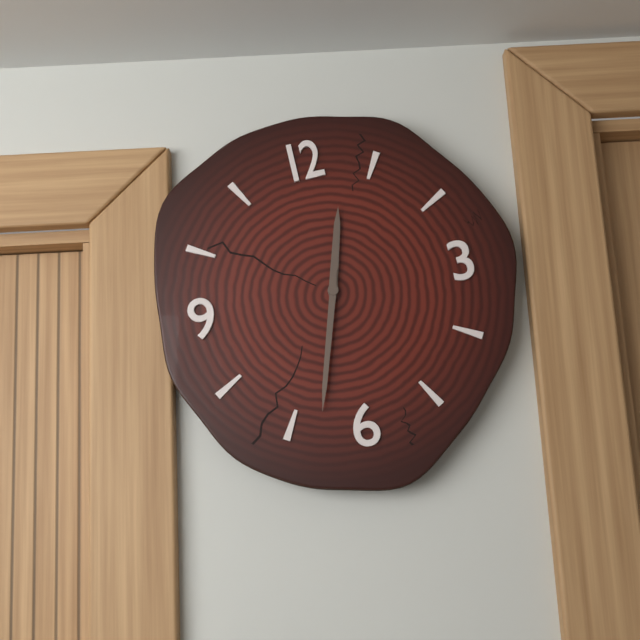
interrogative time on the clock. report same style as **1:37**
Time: **12:33**
